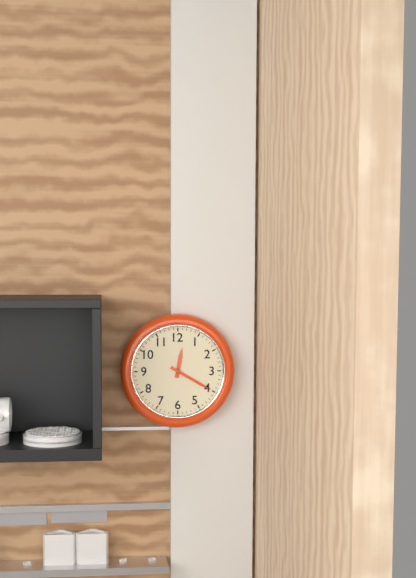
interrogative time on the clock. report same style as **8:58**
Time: **12:20**
